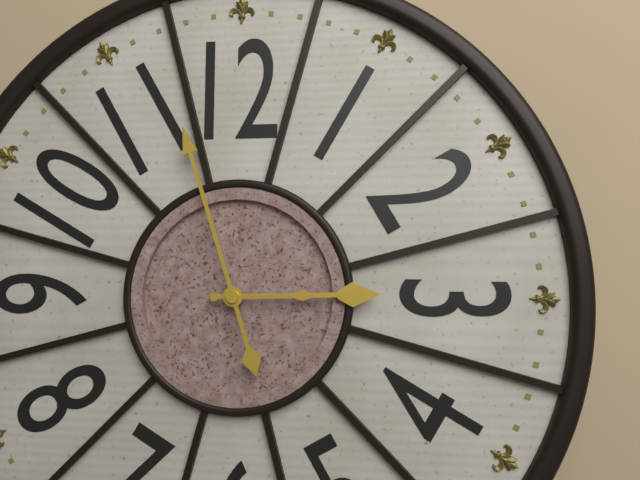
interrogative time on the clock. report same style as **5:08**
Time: **2:57**
